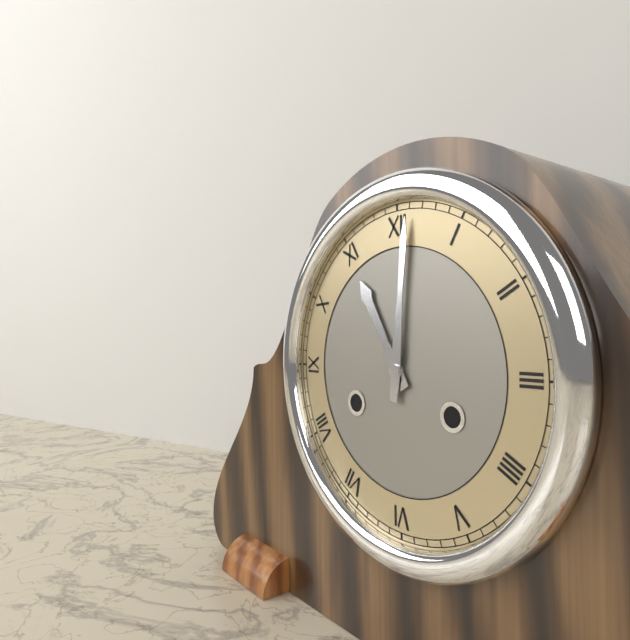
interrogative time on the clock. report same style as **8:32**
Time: **11:01**
